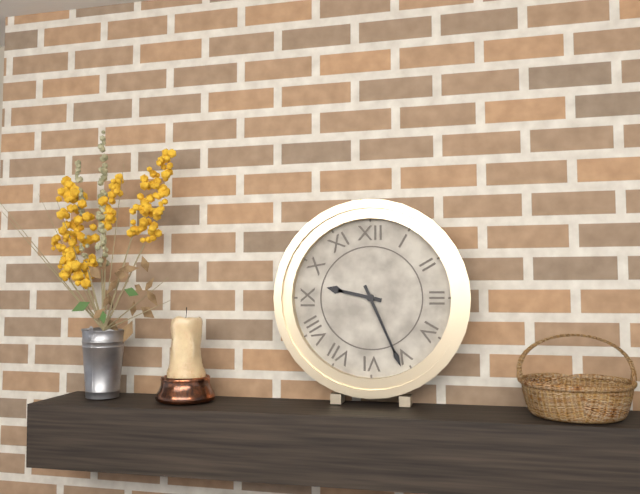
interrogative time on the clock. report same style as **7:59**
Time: **9:26**
